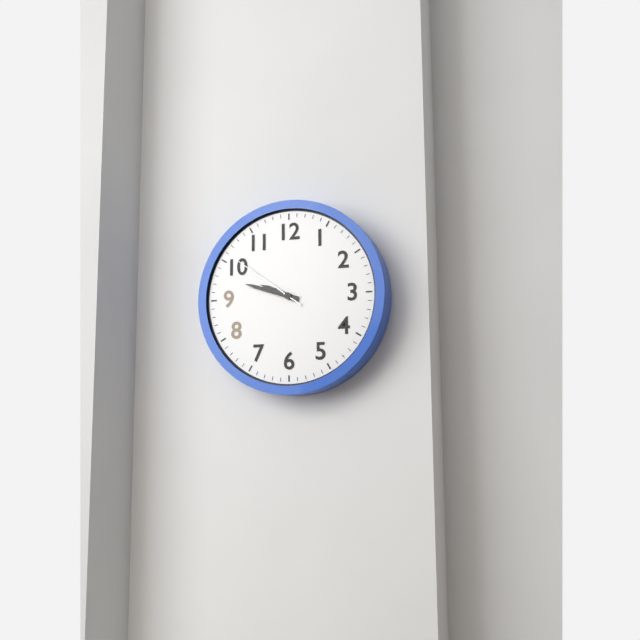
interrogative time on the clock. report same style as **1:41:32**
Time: **9:48:51**
